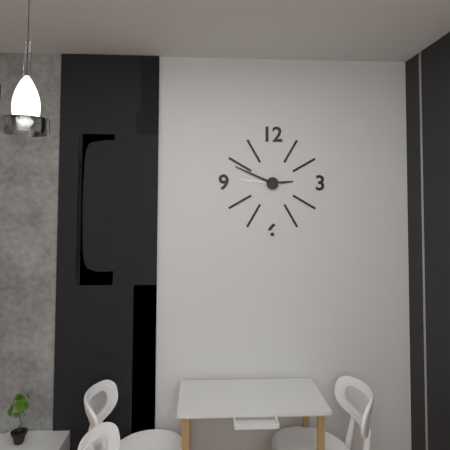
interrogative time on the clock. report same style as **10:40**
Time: **2:49**
